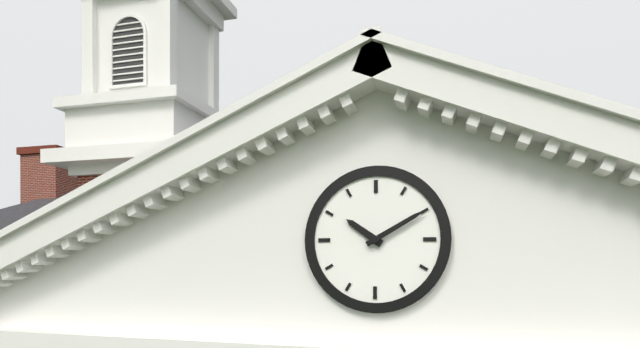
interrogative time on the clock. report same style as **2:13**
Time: **10:10**
